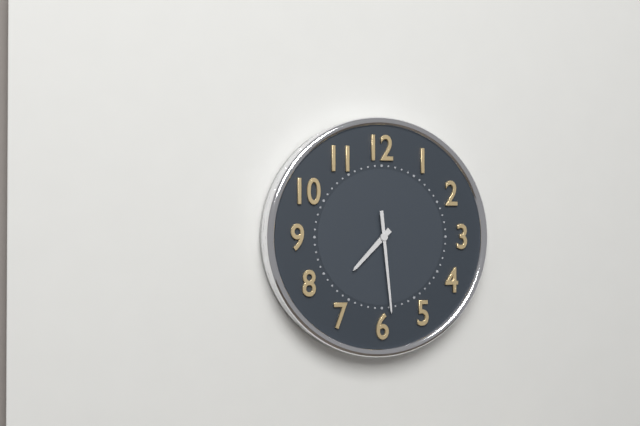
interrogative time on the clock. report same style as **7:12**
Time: **7:29**
